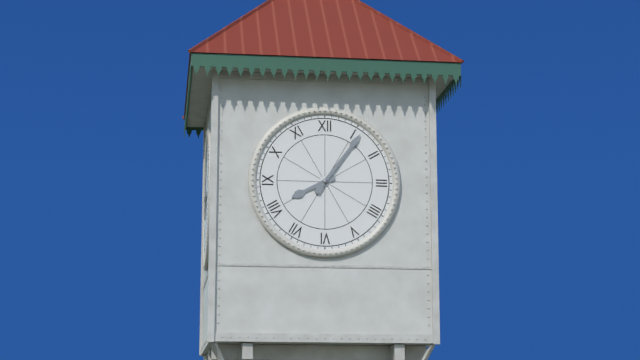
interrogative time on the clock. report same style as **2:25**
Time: **8:06**
